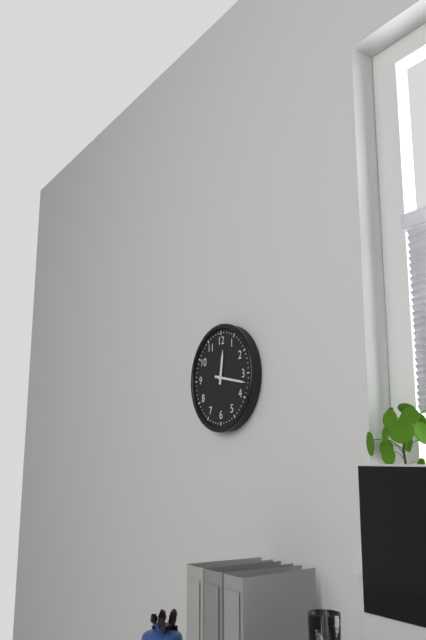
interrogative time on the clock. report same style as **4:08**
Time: **12:17**
